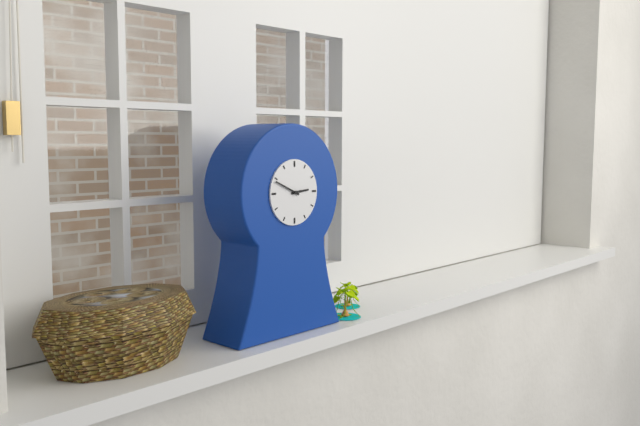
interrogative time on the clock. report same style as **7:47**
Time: **2:49**
